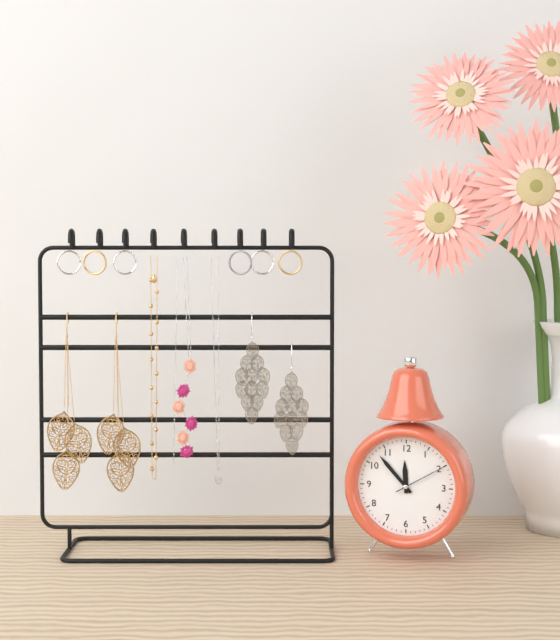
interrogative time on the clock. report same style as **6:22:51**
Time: **11:53:10**
